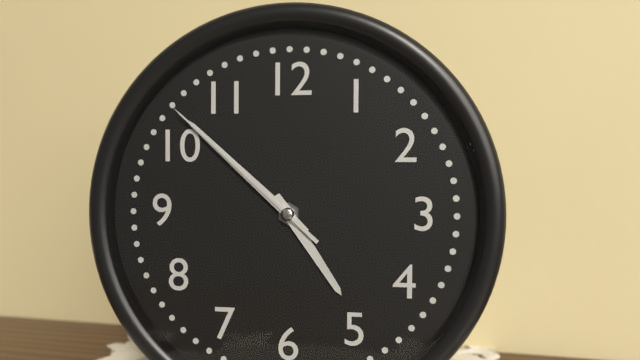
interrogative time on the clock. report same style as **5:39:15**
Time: **4:52:52**
